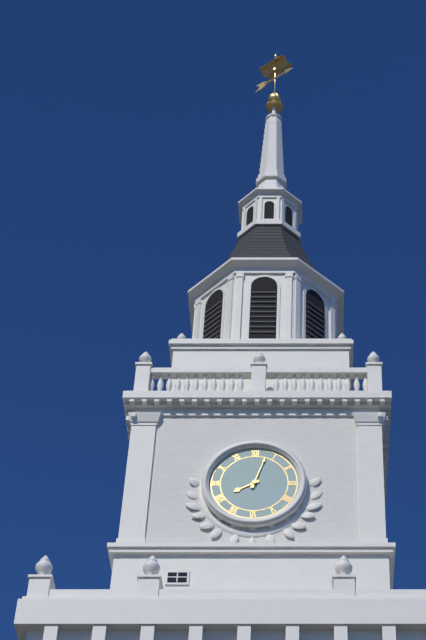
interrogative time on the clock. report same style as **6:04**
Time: **8:03**
